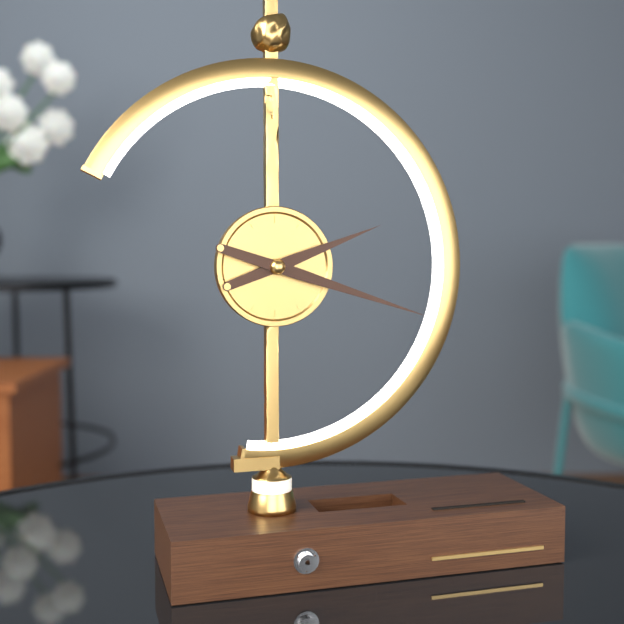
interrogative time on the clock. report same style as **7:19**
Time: **2:18**
